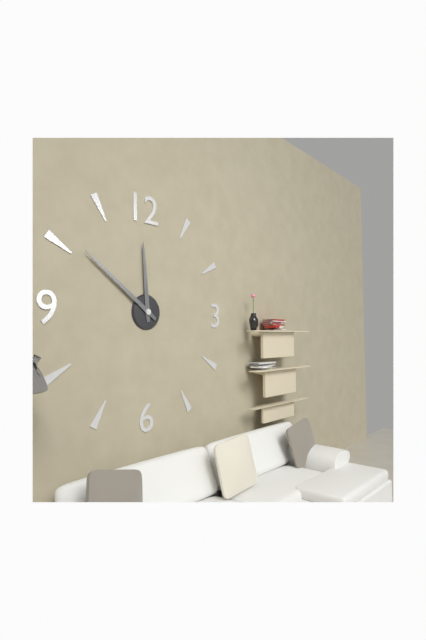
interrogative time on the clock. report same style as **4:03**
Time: **11:51**
